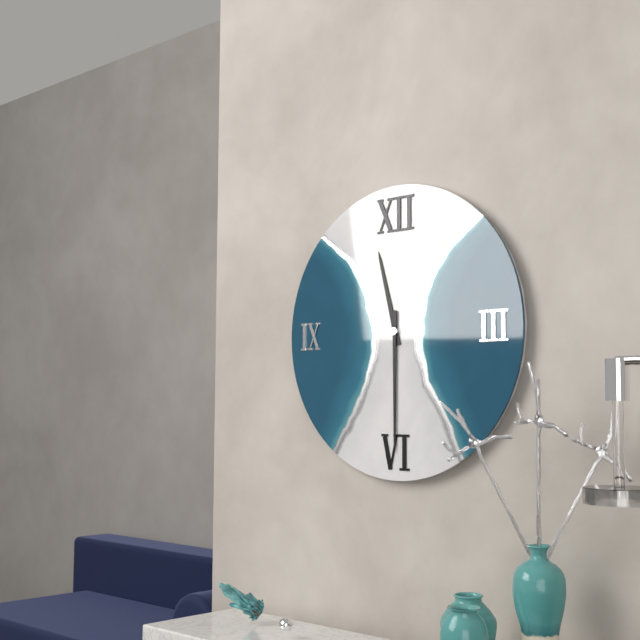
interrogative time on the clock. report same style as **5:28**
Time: **11:30**
